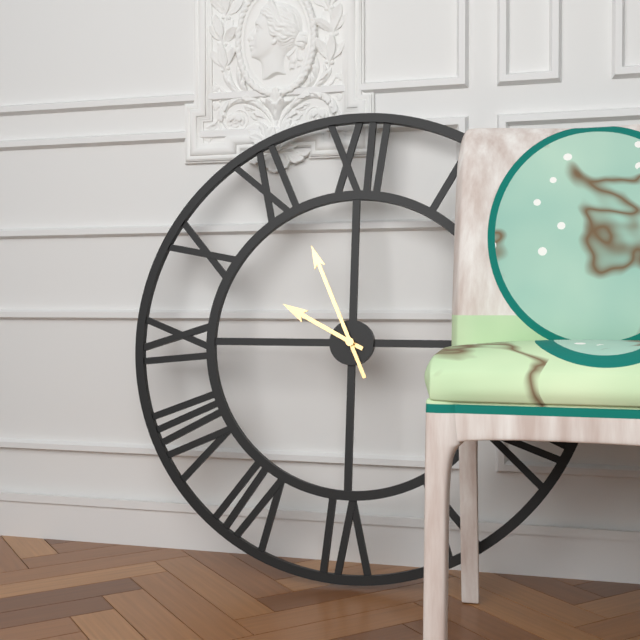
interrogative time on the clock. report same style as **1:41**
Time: **9:56**
